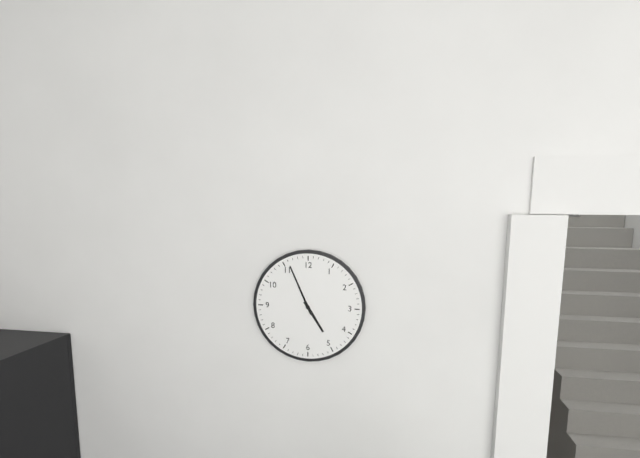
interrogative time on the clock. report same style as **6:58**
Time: **4:56**
